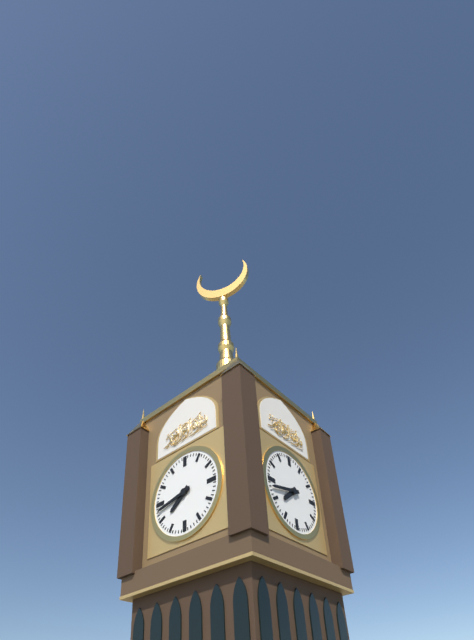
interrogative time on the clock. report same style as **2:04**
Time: **7:43**
